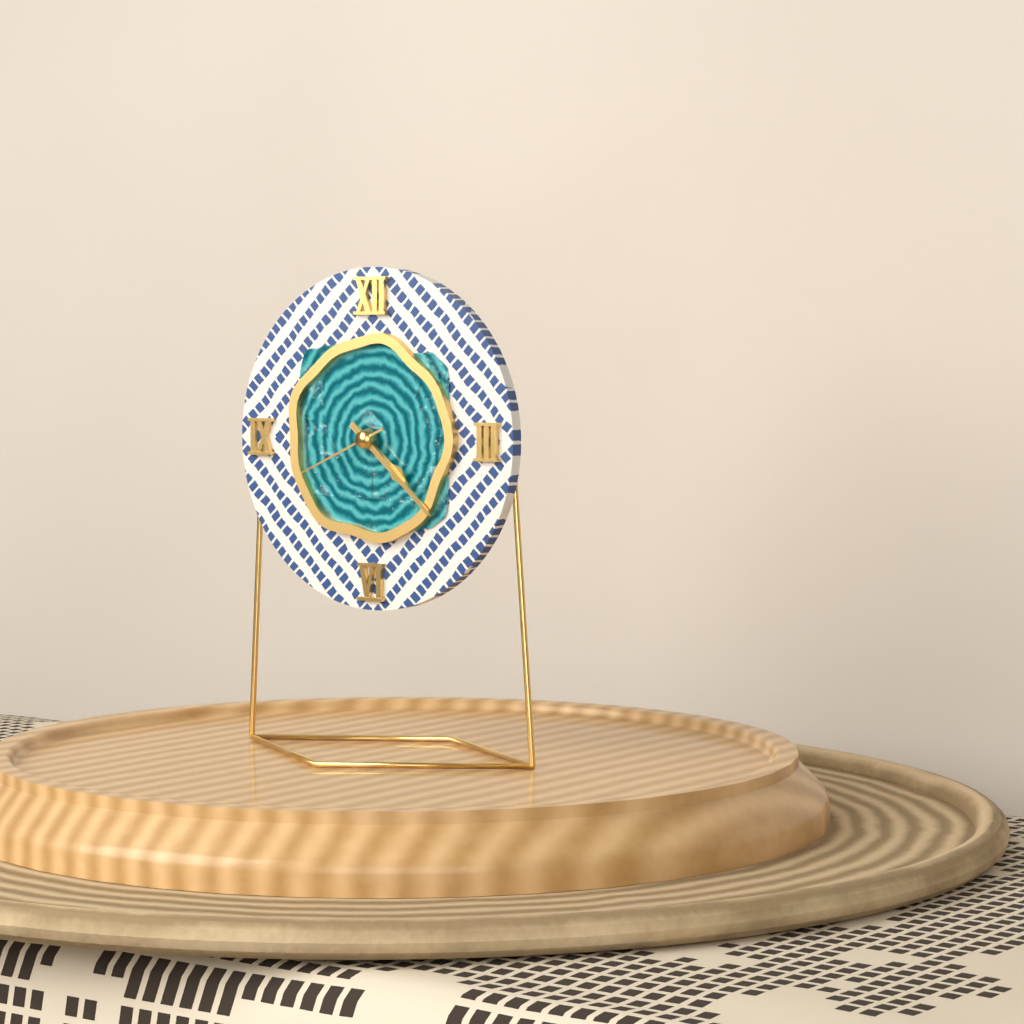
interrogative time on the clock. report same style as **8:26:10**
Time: **4:22:41**
